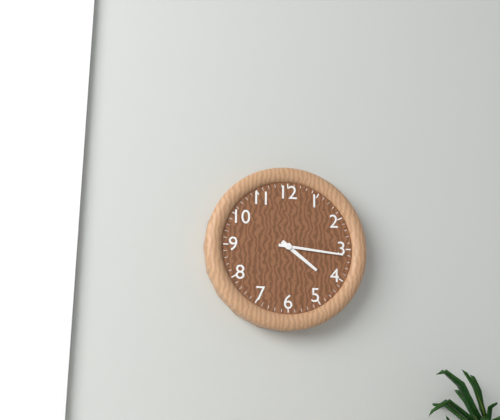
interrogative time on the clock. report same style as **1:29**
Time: **4:16**
